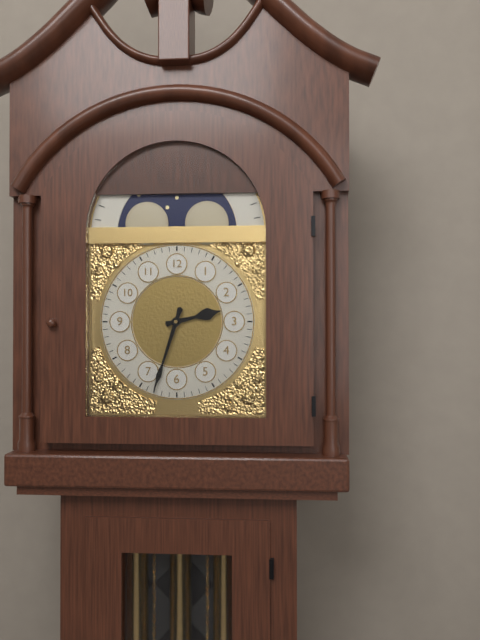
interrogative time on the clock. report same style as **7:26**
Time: **2:33**
